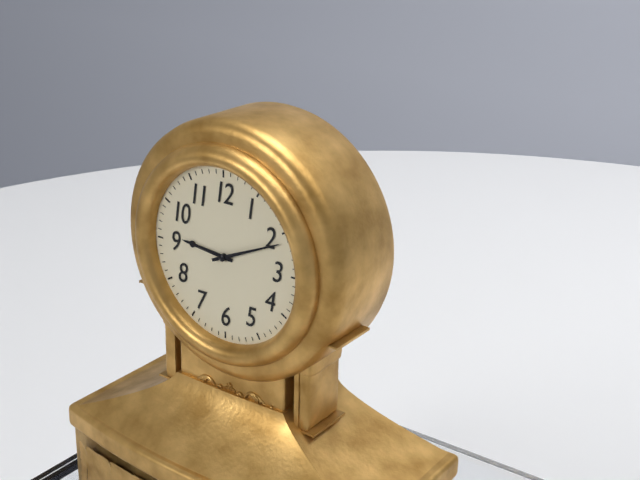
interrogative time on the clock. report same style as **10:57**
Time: **9:11**
